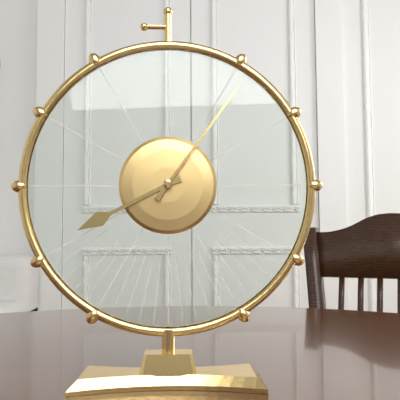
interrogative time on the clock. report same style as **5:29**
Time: **8:06**
